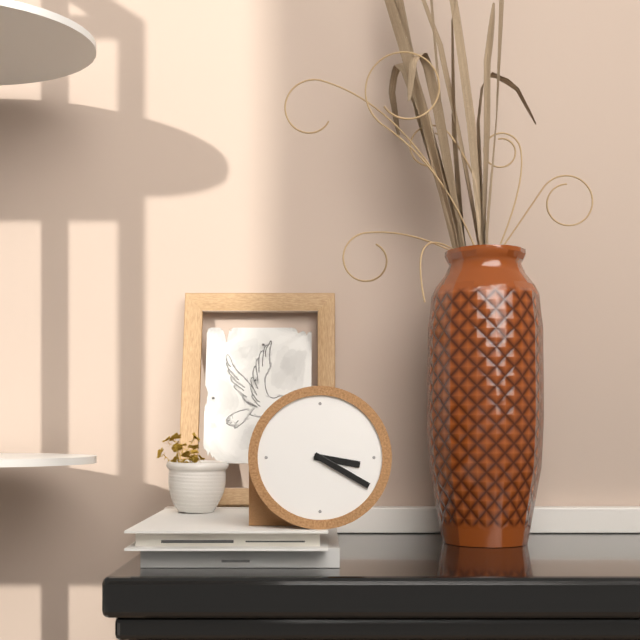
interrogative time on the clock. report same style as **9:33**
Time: **3:20**
